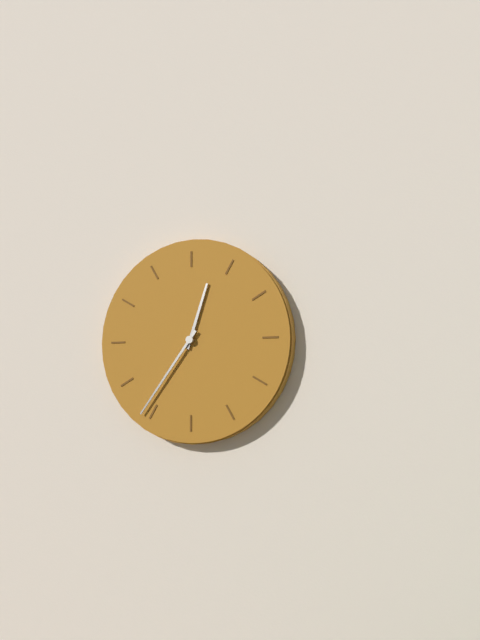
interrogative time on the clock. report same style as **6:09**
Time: **12:36**
